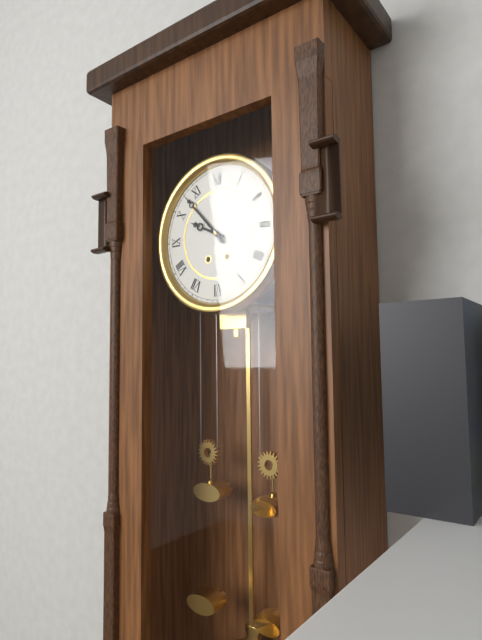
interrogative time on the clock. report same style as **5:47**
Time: **9:53**
